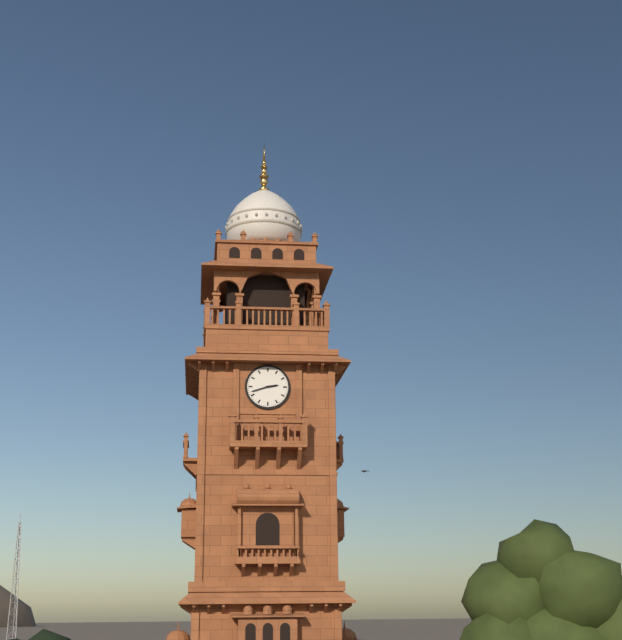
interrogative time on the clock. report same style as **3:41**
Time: **2:42**
